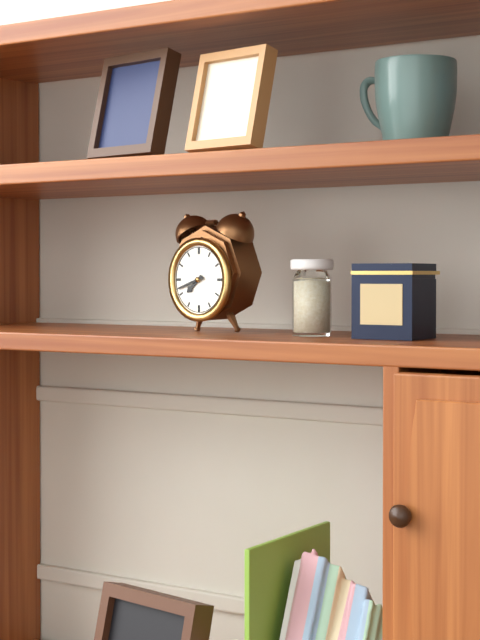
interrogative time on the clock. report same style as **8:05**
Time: **7:42**
